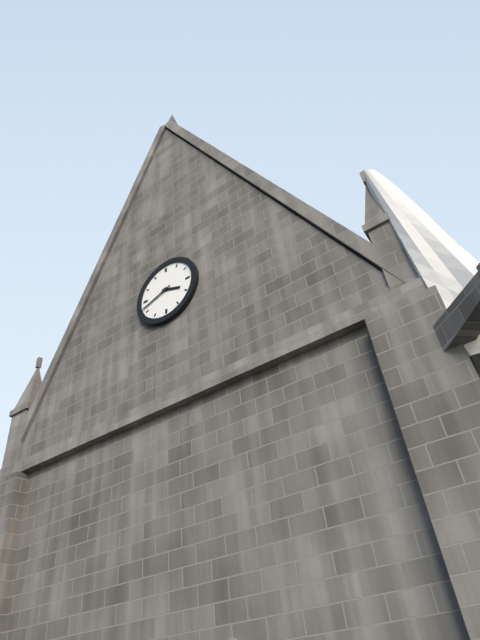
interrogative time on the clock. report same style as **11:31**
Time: **3:42**
